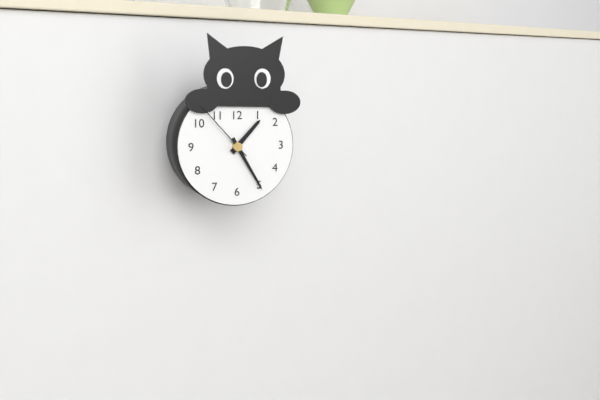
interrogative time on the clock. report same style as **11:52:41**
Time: **1:25:53**
